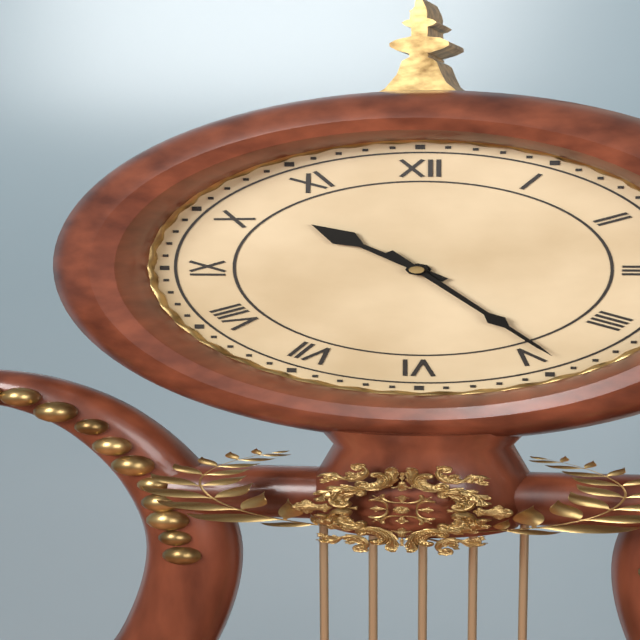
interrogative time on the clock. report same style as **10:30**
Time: **10:24**
